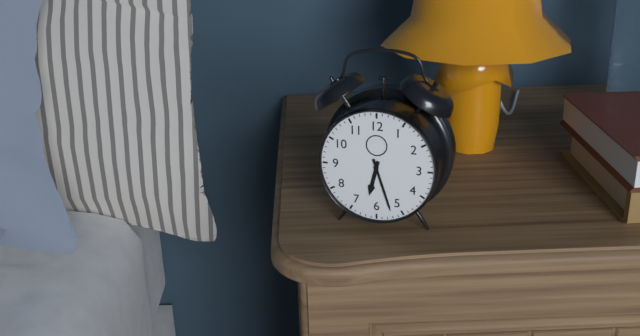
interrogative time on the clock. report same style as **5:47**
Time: **6:27**
